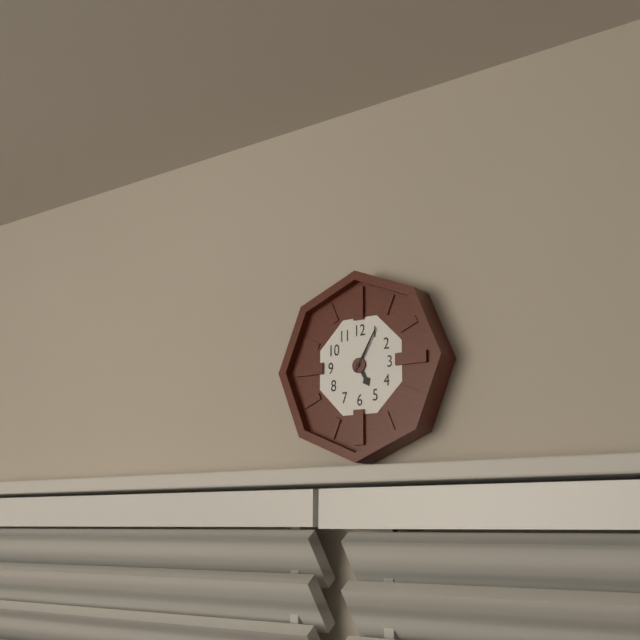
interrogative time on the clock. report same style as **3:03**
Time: **5:05**
